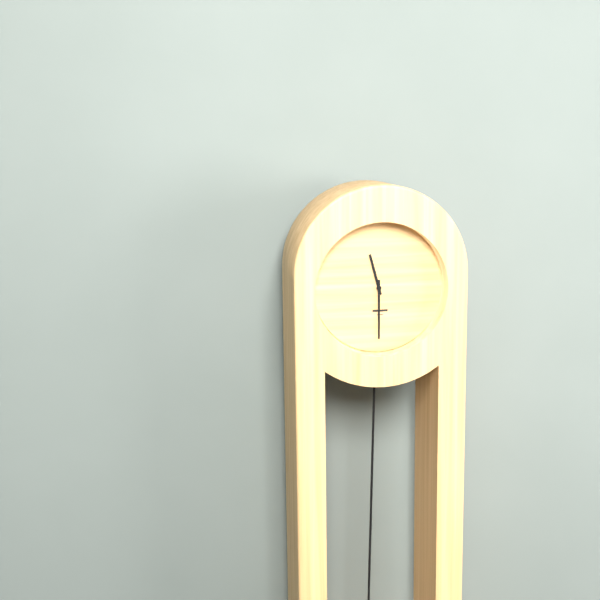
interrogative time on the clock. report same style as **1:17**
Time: **11:30**
